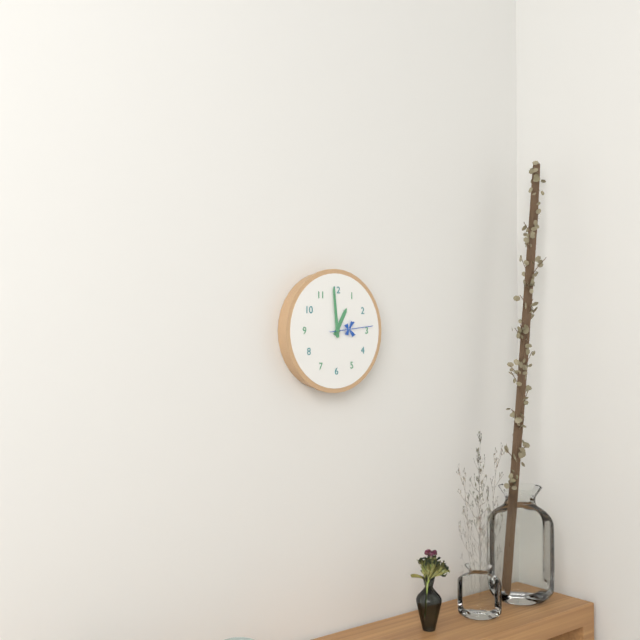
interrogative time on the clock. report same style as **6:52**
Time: **12:59**
